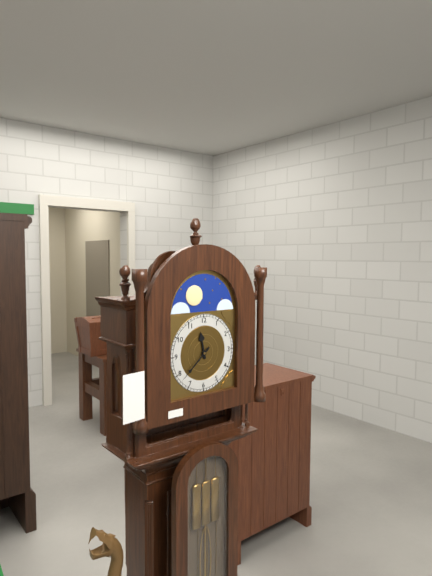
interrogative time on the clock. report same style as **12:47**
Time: **11:38**
